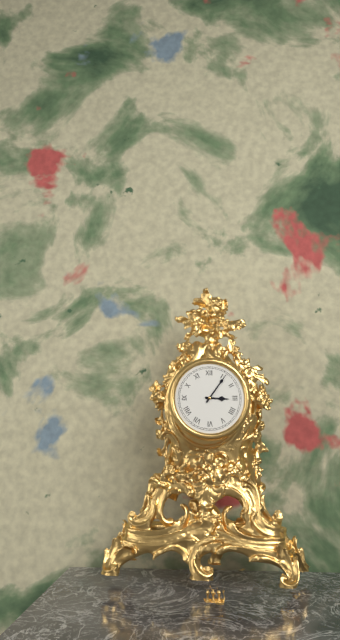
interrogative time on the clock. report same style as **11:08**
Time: **3:06**
